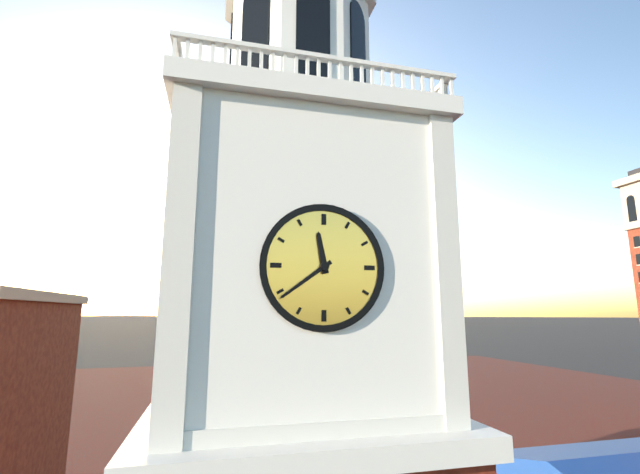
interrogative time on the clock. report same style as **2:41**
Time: **11:39**
